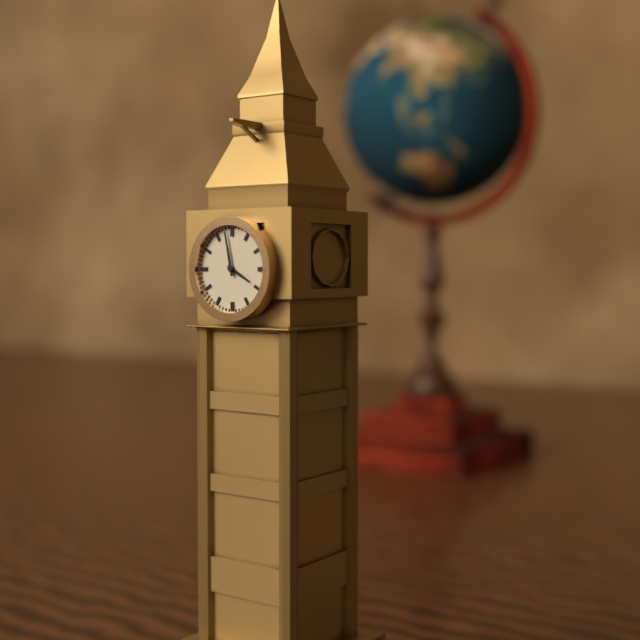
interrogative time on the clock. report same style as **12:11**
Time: **3:58**
